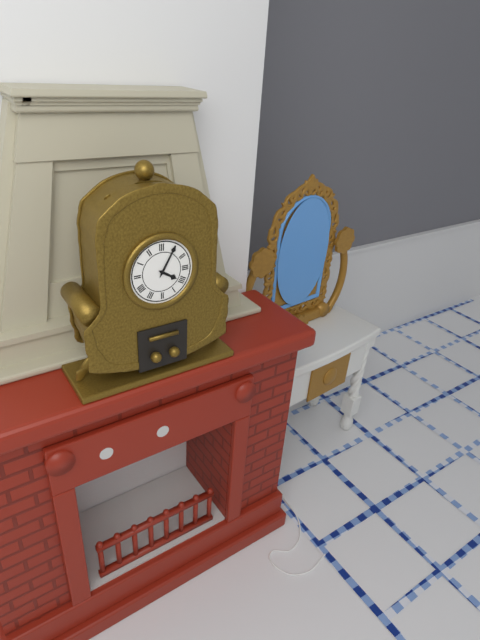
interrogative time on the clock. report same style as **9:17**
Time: **4:05**
